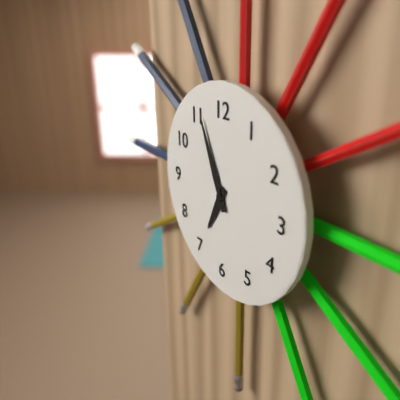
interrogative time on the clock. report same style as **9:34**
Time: **6:56**
